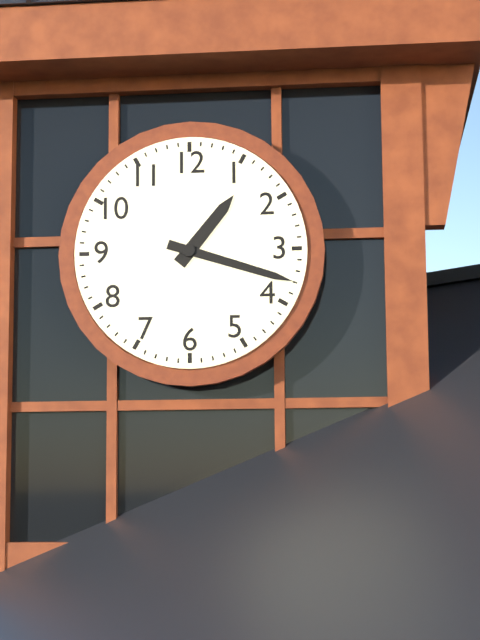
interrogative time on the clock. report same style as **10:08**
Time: **1:18**
